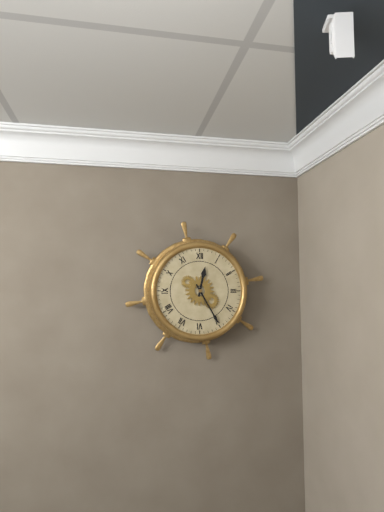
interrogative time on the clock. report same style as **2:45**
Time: **12:25**
